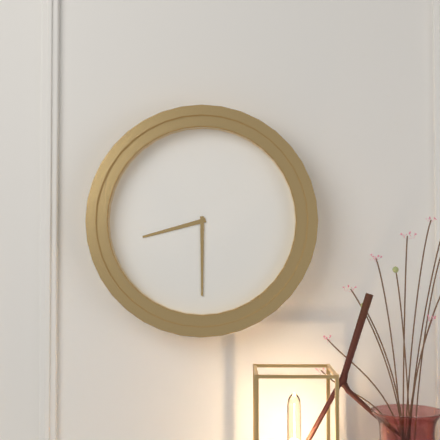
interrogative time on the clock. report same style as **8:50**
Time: **8:30**
